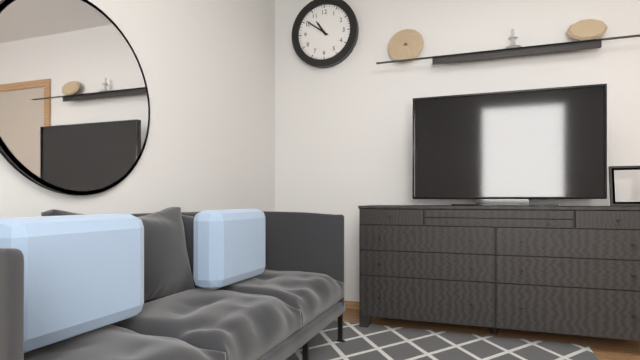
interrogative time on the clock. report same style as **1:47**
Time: **10:51**
